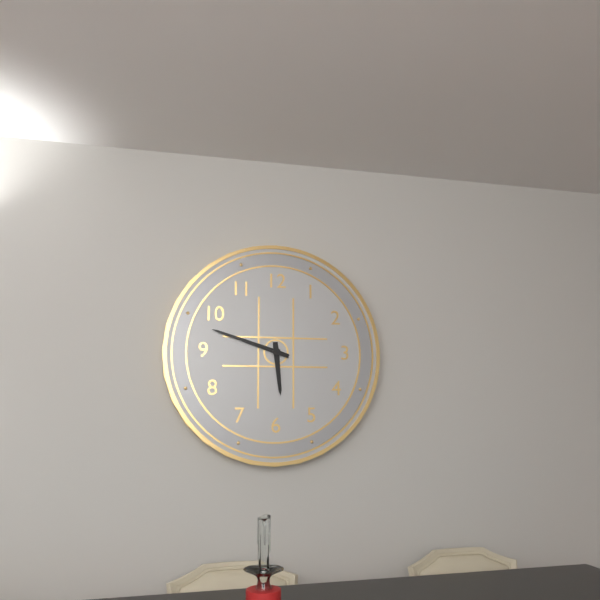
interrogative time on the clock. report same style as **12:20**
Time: **5:48**
